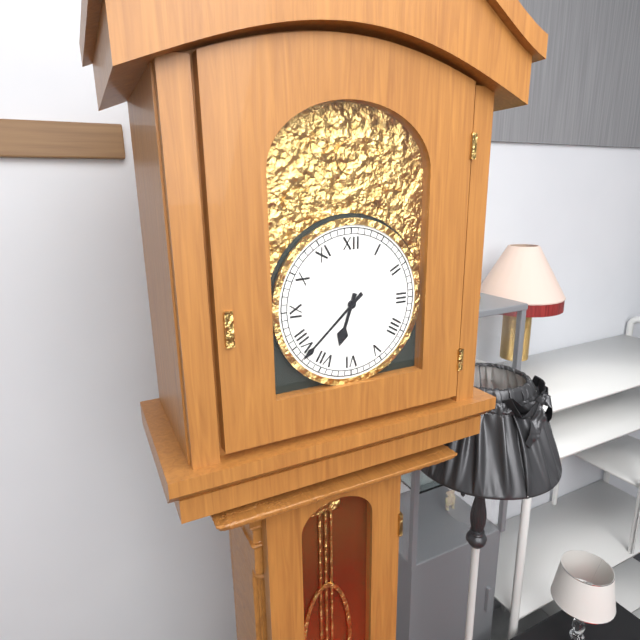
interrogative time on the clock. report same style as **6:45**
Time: **6:38**
